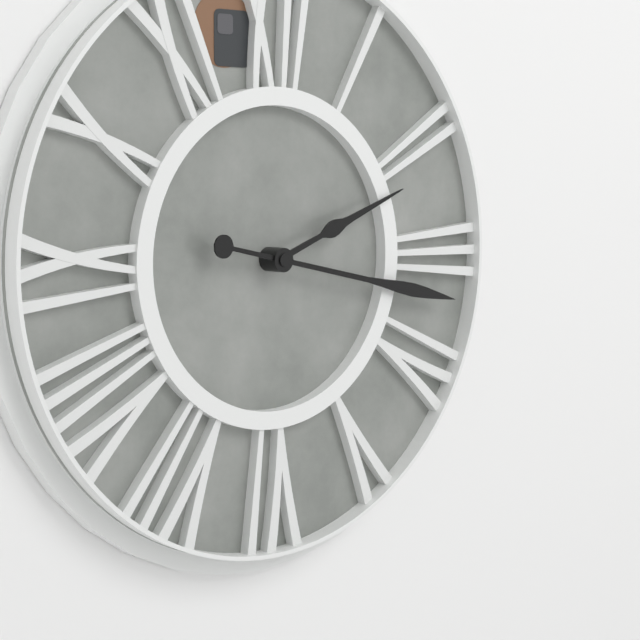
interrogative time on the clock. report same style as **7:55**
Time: **2:17**
